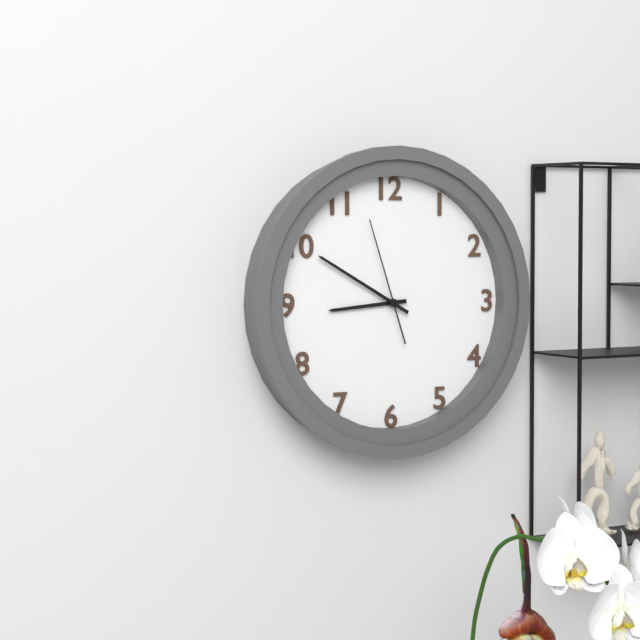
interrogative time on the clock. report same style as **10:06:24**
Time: **8:50:57**
